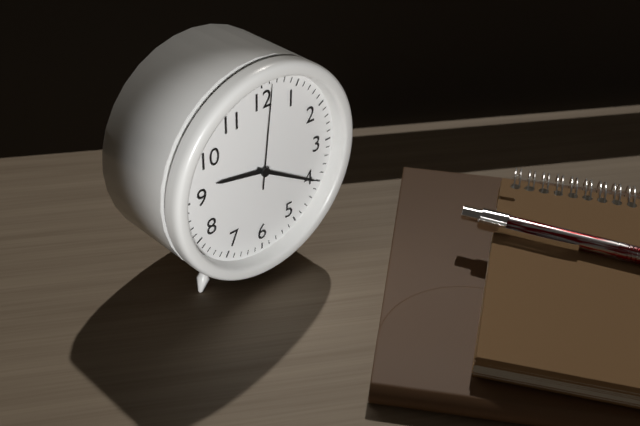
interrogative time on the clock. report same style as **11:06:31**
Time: **9:20:01**
